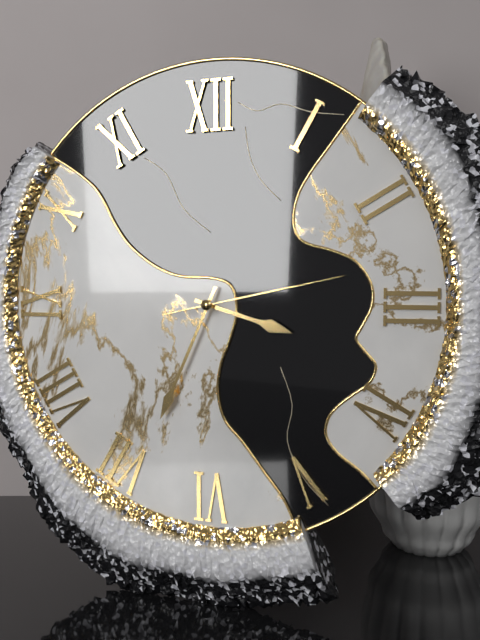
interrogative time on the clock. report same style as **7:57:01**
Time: **3:34:13**
